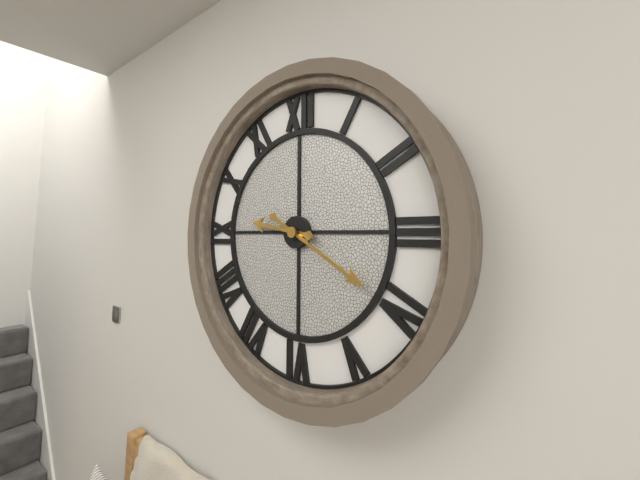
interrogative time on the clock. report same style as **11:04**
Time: **9:20**
